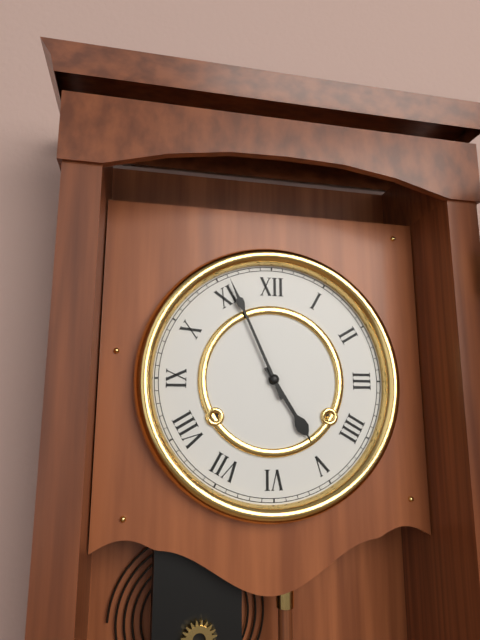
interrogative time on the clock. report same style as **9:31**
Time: **4:56**
